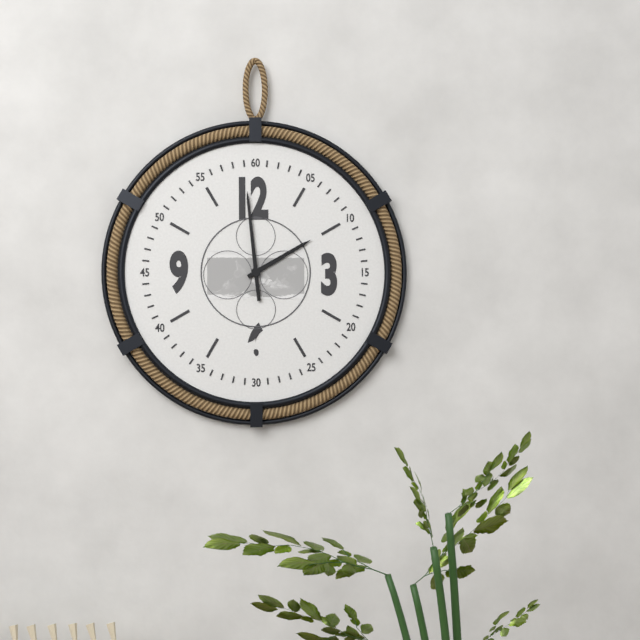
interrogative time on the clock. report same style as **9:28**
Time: **1:59**
